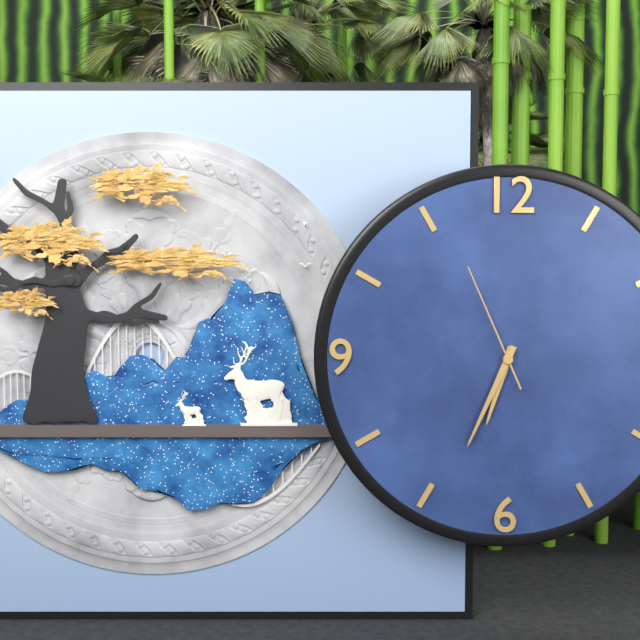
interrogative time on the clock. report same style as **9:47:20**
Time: **6:34:56**
